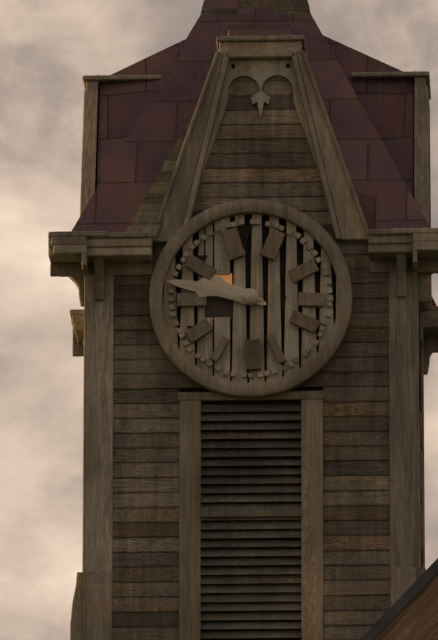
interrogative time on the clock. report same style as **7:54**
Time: **9:47**
